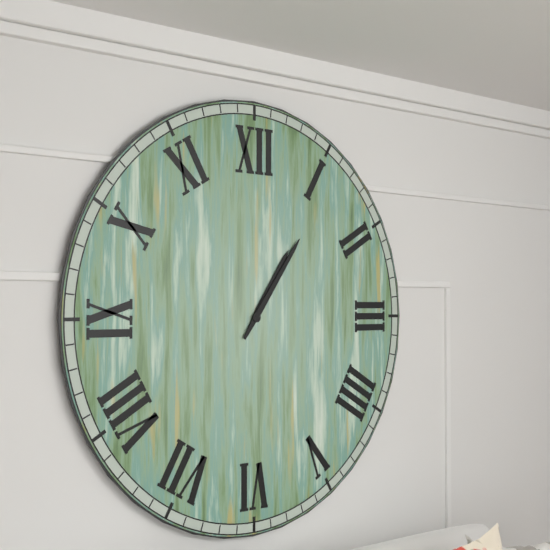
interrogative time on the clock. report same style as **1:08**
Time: **1:06**
